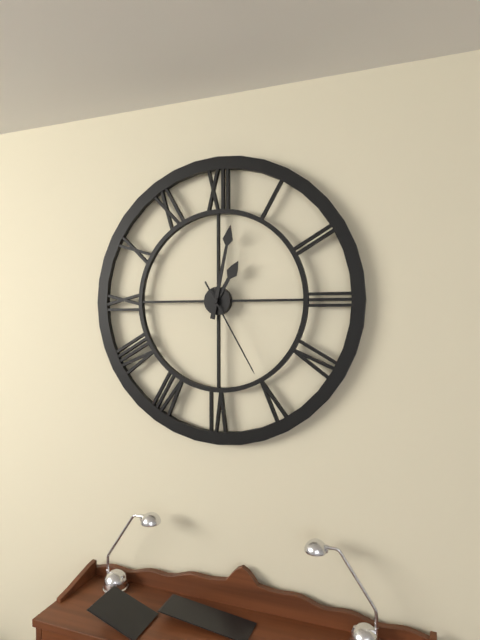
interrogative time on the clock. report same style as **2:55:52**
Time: **1:02:25**
